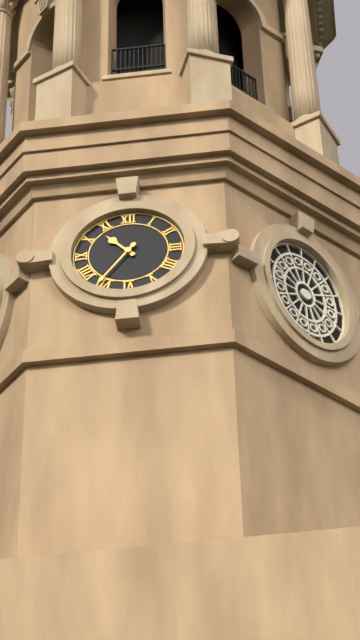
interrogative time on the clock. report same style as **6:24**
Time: **10:36**
